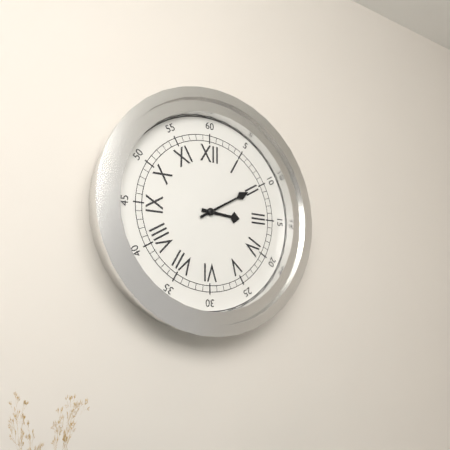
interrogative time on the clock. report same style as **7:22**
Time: **3:10**
